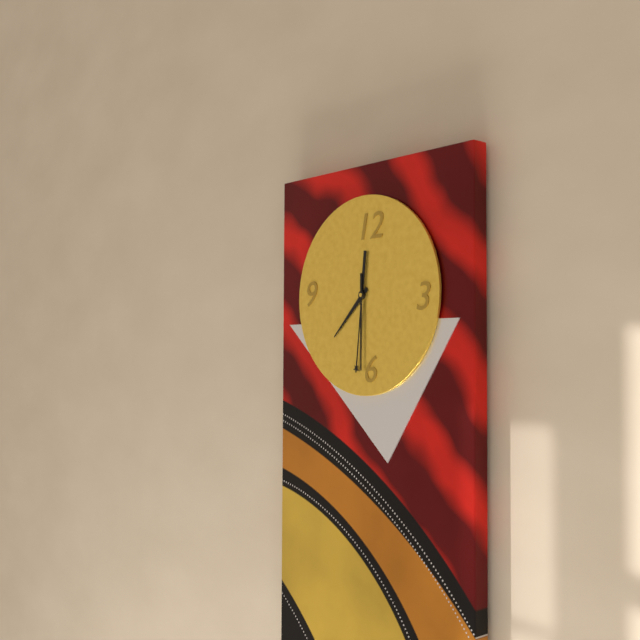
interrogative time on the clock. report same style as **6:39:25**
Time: **7:31:30**
